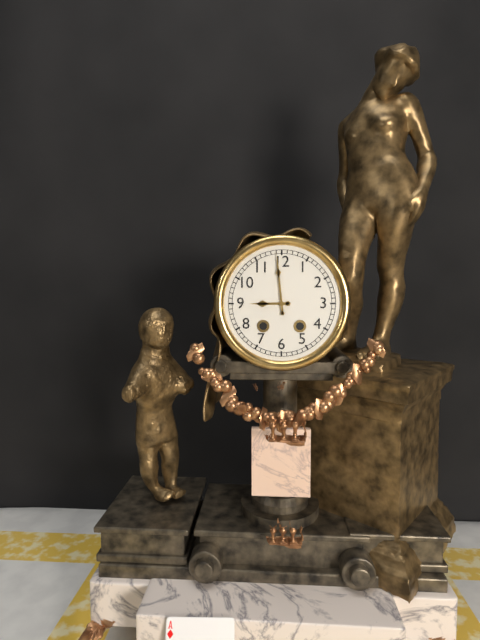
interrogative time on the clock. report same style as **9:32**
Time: **8:59**
